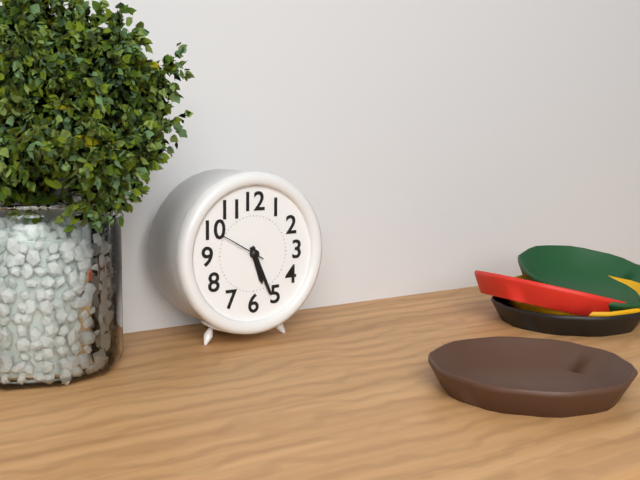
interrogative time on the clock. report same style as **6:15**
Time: **5:26**
